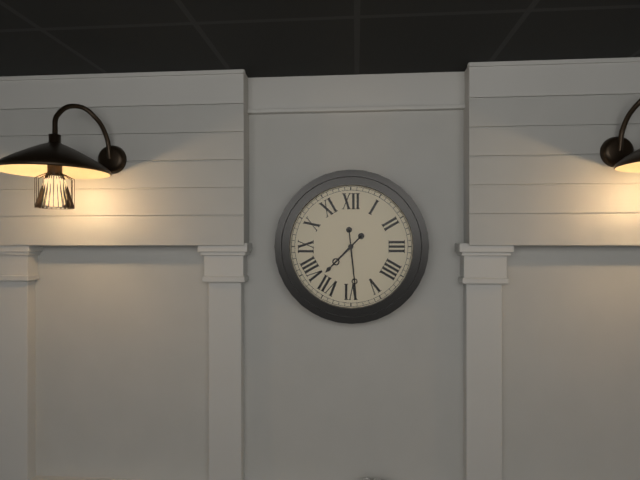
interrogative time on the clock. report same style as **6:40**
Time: **7:29**
